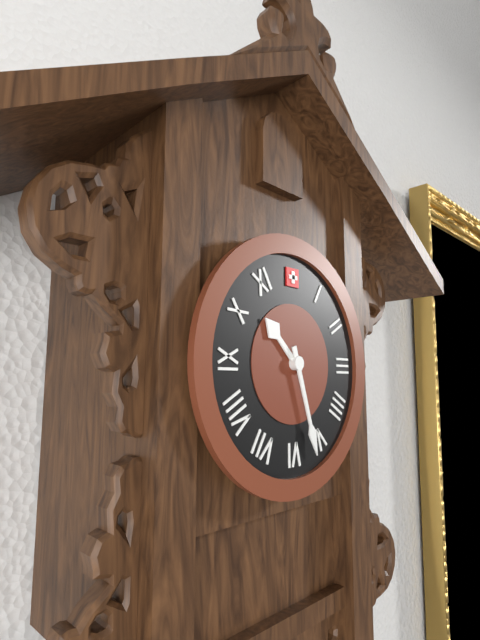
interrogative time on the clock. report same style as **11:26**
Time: **10:27**
